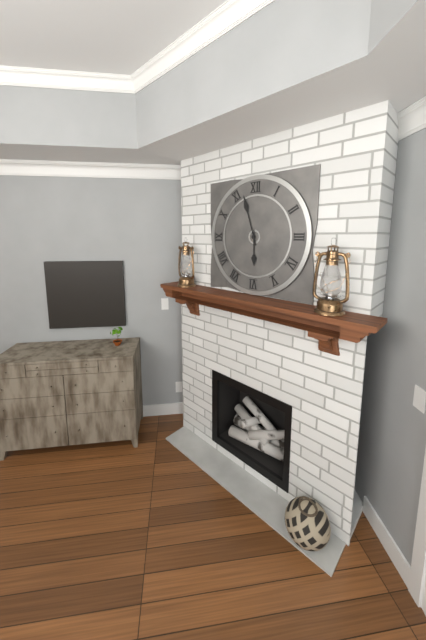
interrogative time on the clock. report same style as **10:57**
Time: **5:57**
